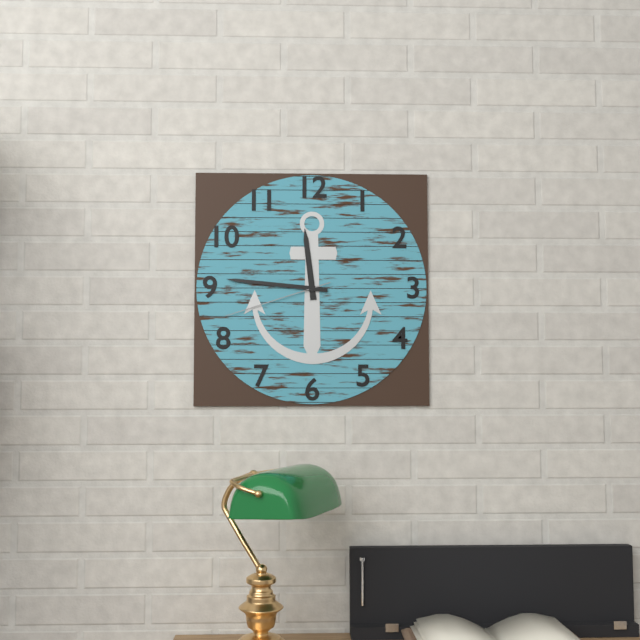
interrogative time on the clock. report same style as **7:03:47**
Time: **11:46:42**
